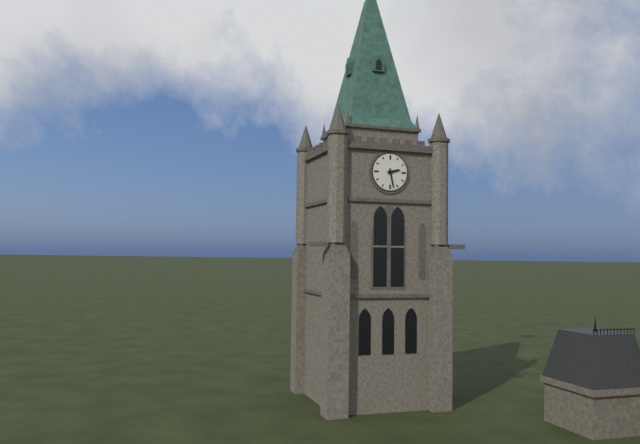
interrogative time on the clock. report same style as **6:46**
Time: **2:28**
